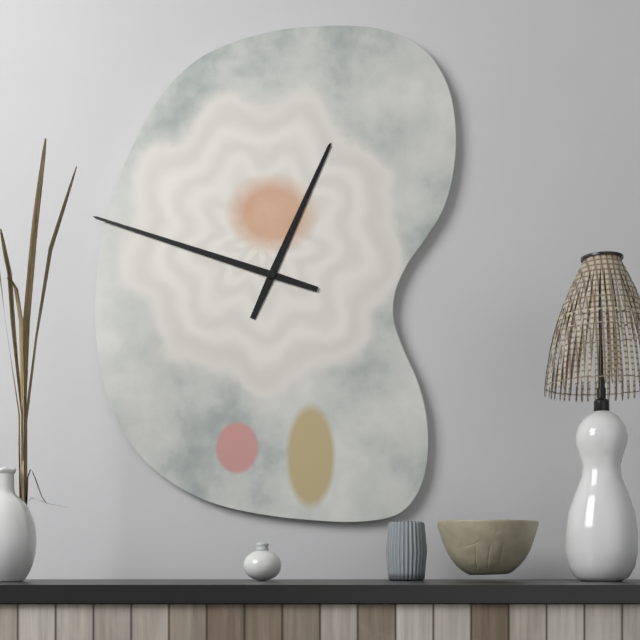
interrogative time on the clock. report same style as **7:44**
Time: **12:48**
